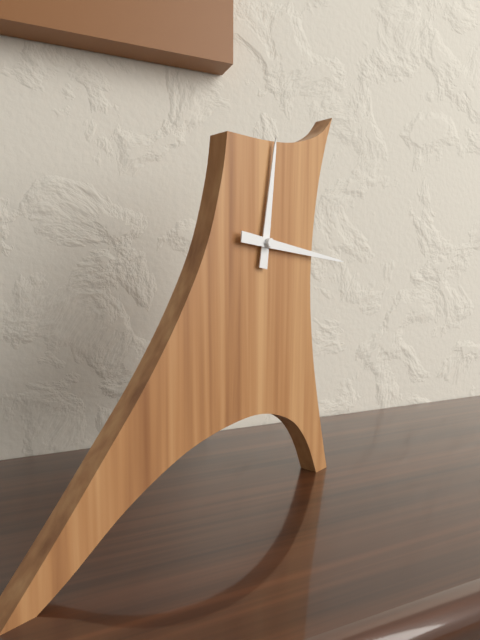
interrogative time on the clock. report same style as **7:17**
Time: **12:16**
